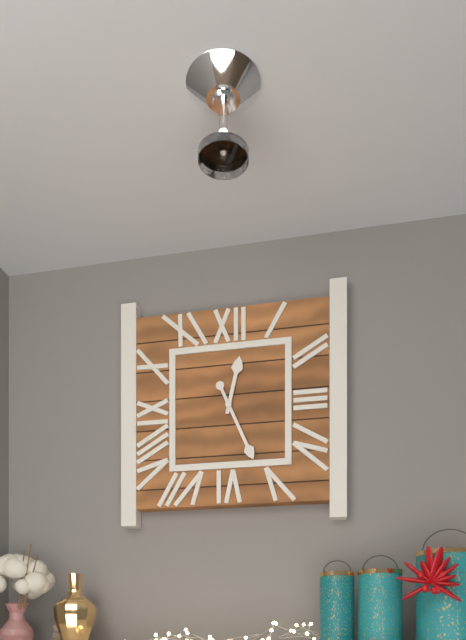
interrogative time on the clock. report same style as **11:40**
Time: **12:26**
